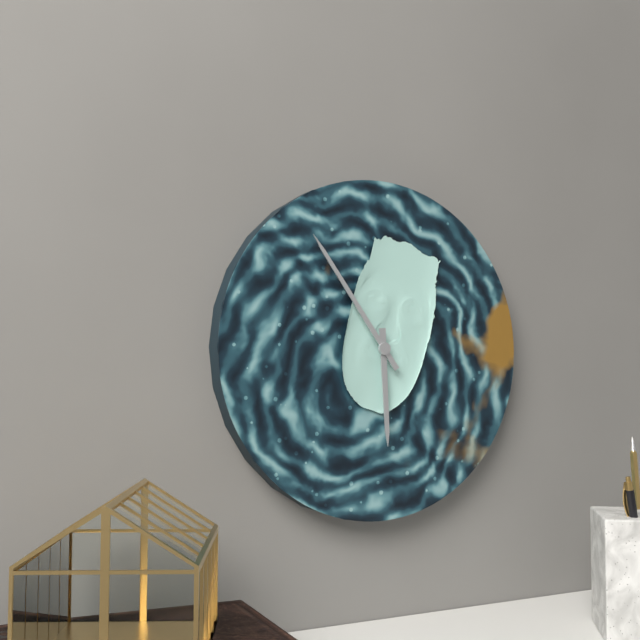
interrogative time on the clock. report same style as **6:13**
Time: **5:54**
